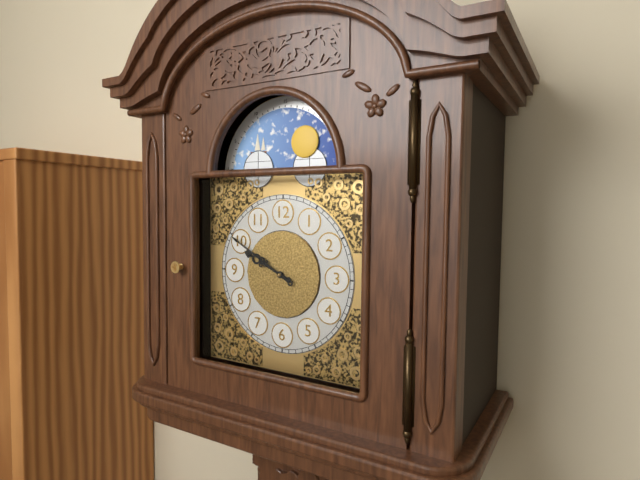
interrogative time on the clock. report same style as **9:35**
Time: **9:50**
